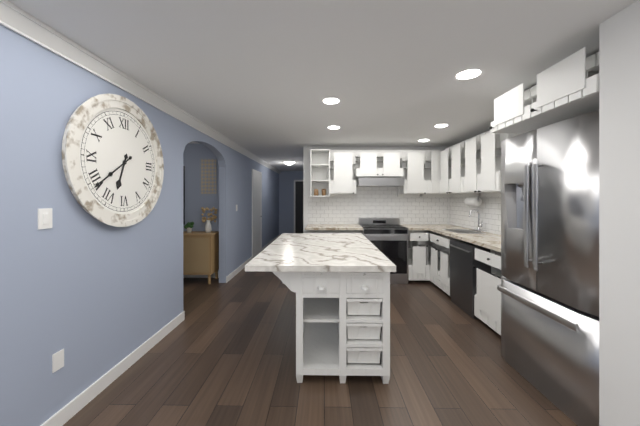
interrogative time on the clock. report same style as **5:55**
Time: **6:39**
